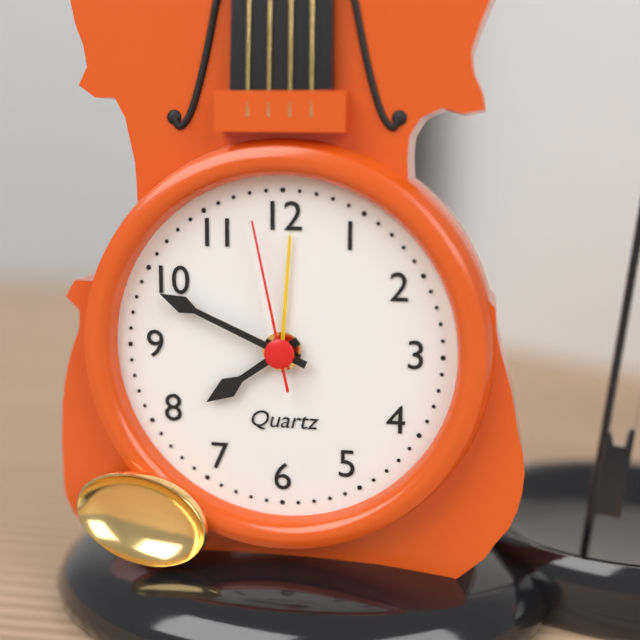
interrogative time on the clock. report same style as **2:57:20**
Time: **7:49:58**
